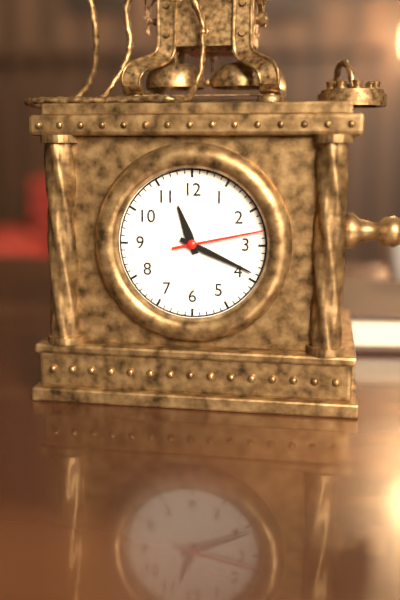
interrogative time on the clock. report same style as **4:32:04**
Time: **11:19:13**
